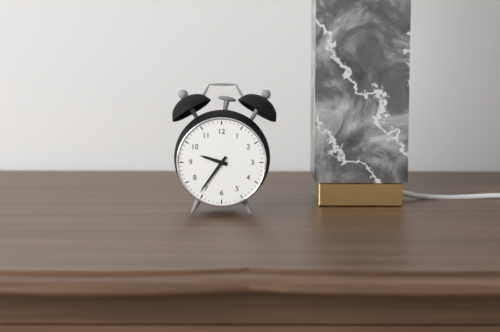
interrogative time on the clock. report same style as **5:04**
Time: **9:36**
